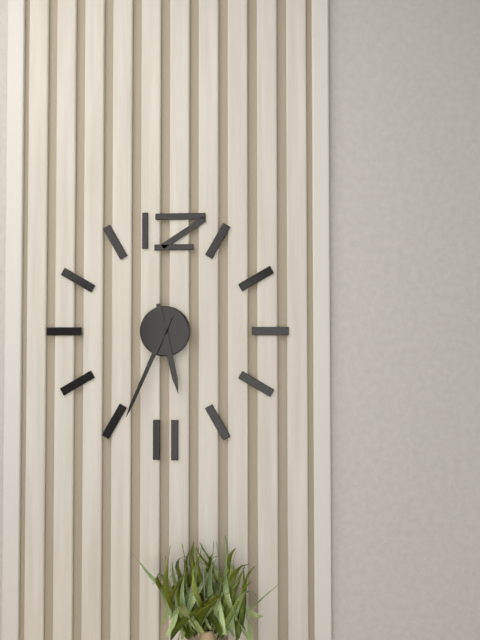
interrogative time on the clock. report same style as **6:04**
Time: **5:34**
